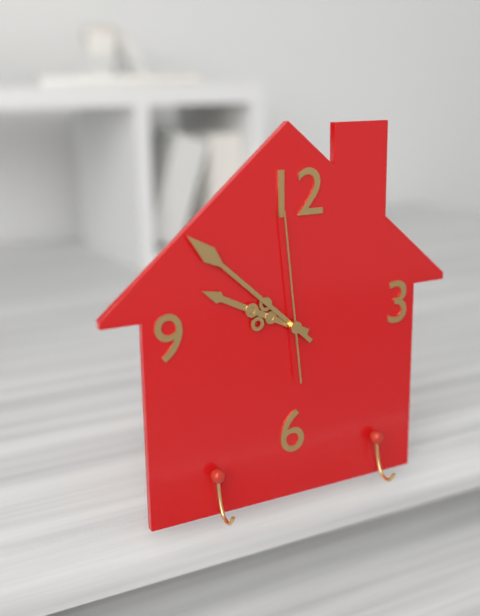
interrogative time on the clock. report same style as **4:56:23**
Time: **9:52:59**
